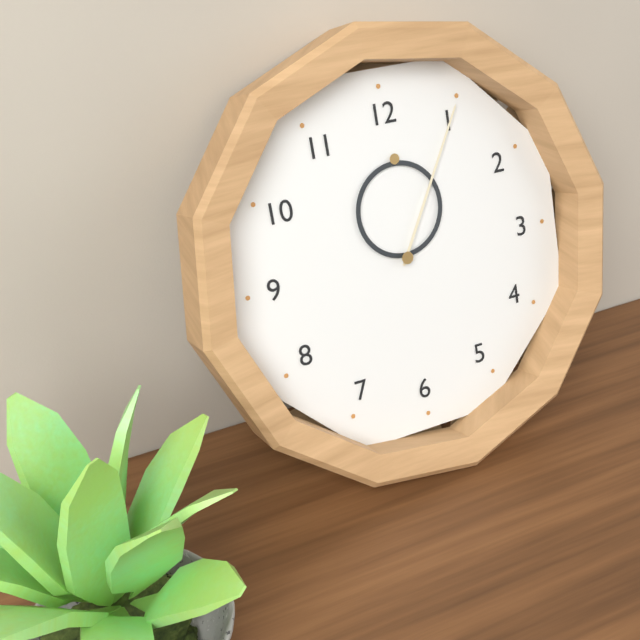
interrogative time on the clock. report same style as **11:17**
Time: **12:05**
